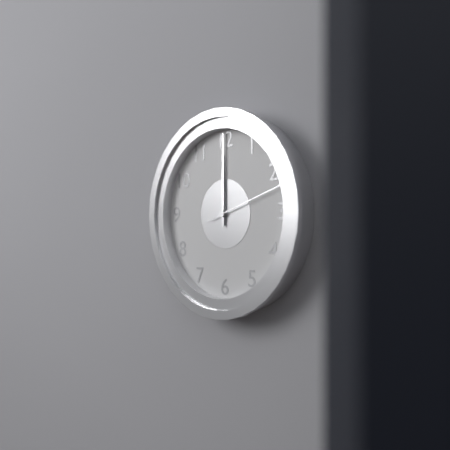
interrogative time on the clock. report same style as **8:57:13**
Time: **12:00:12**
